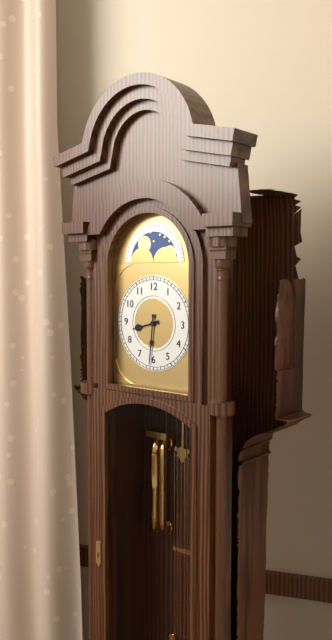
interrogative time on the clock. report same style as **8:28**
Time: **8:31**
